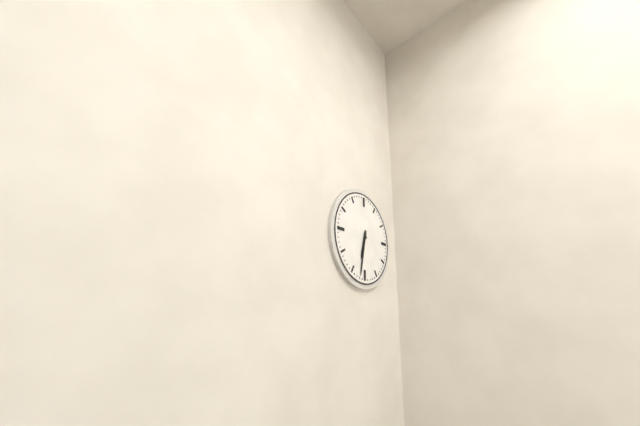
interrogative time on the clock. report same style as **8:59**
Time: **6:32**
